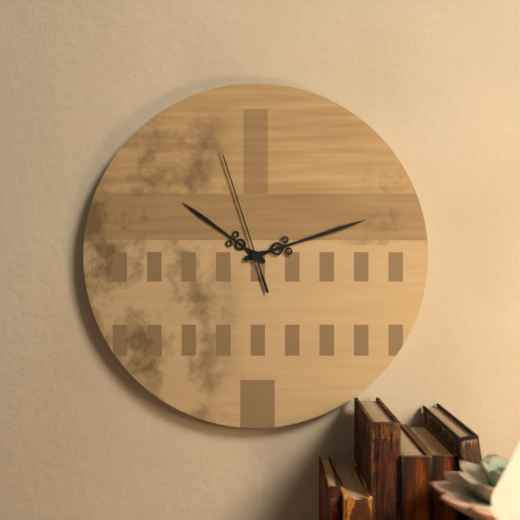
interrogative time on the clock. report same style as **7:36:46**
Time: **10:12:57**
